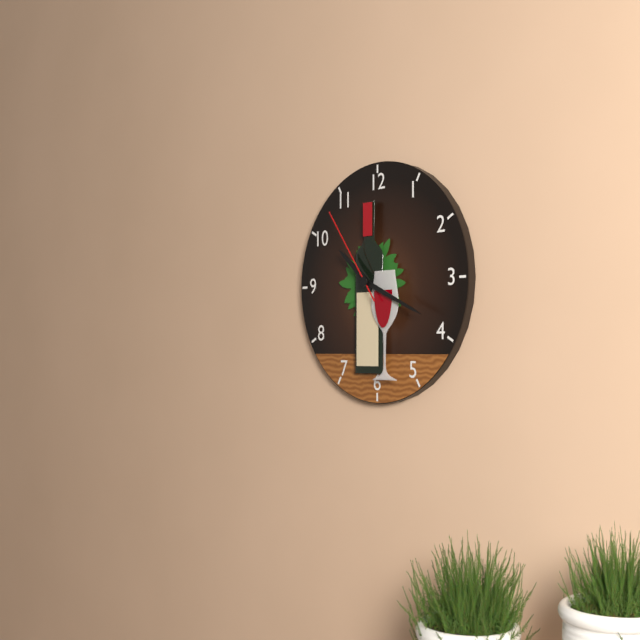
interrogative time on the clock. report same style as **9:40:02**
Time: **10:19:54**
